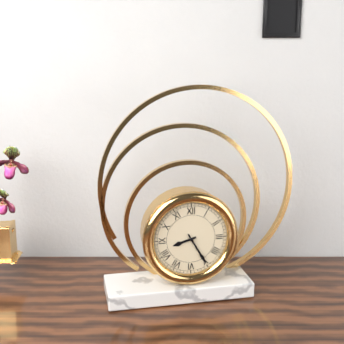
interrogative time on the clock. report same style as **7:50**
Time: **8:25**
